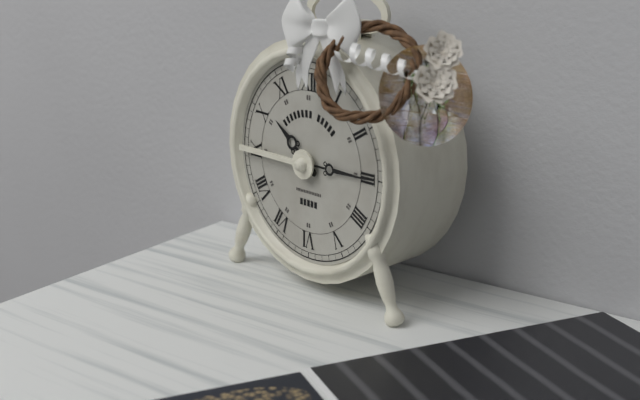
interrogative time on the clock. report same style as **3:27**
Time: **10:15**
